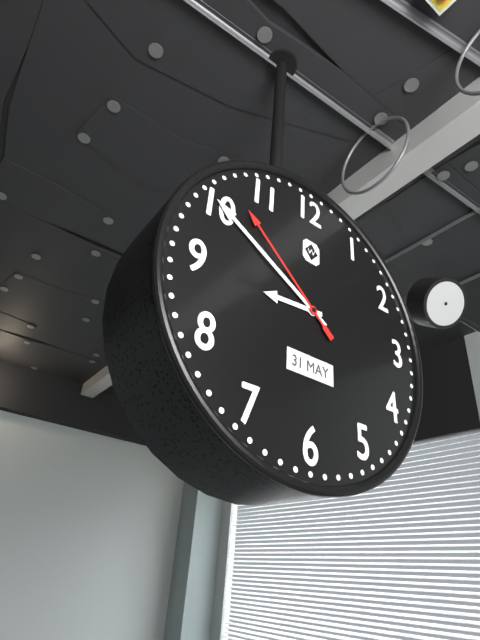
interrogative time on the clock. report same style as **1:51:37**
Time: **8:50:52**
